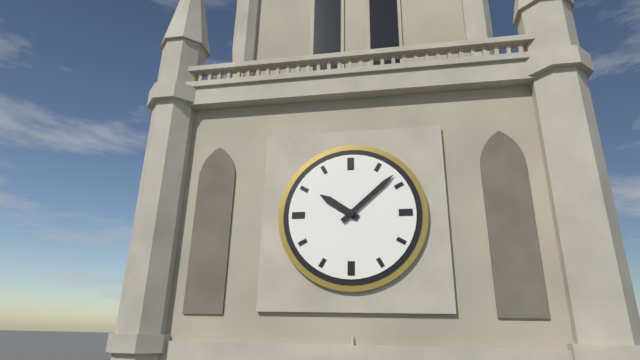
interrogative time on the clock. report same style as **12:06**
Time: **10:08**
